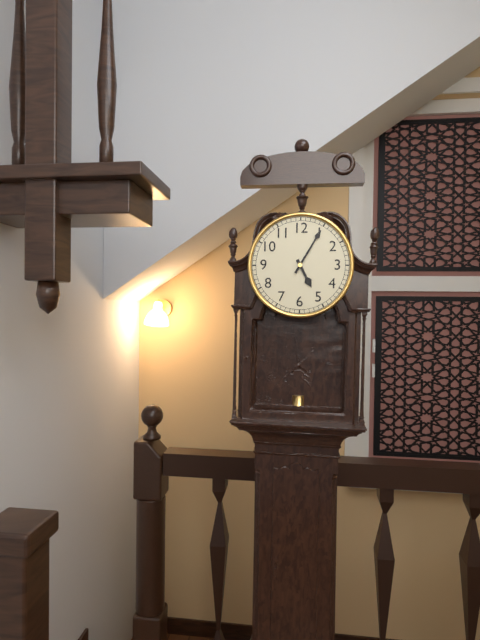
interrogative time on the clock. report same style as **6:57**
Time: **5:05**
